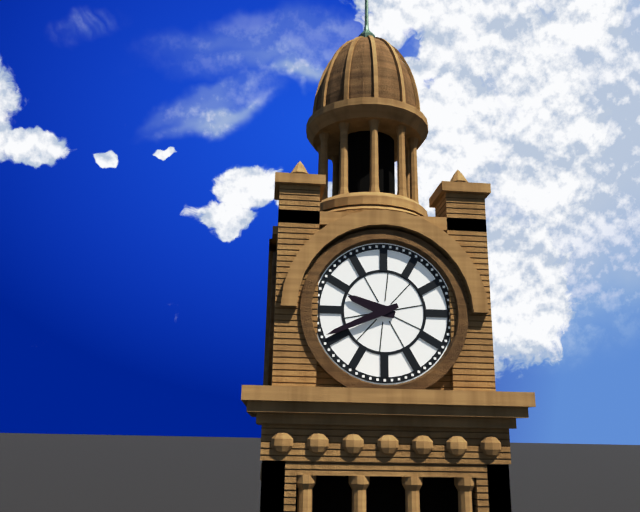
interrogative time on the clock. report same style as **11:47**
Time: **9:41**
